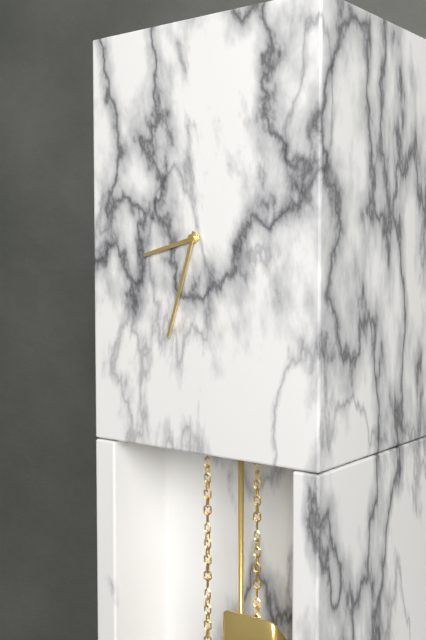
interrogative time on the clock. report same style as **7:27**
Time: **8:33**
